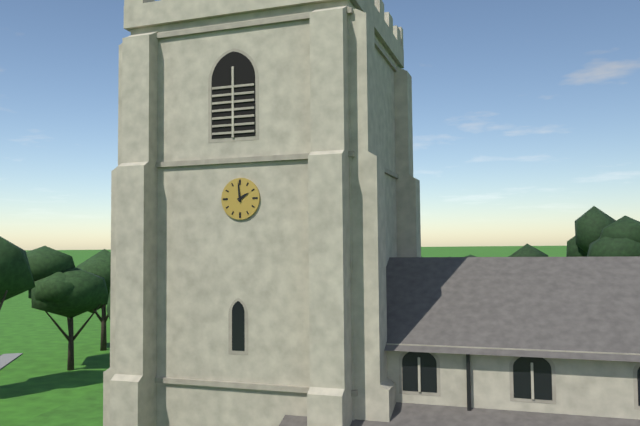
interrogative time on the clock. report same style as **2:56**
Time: **1:59**
